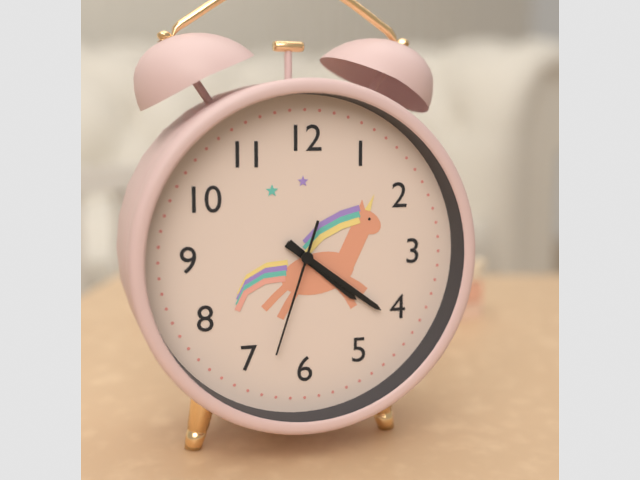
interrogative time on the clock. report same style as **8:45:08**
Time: **4:21:33**
